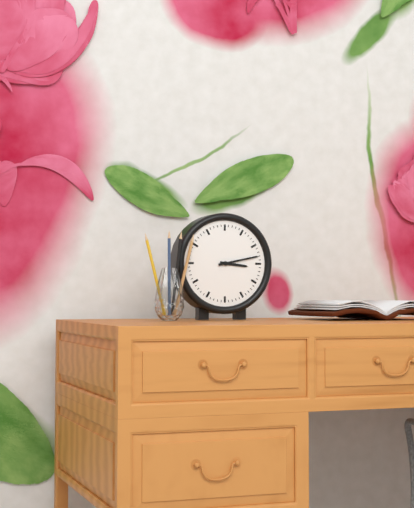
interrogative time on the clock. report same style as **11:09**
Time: **3:13**
